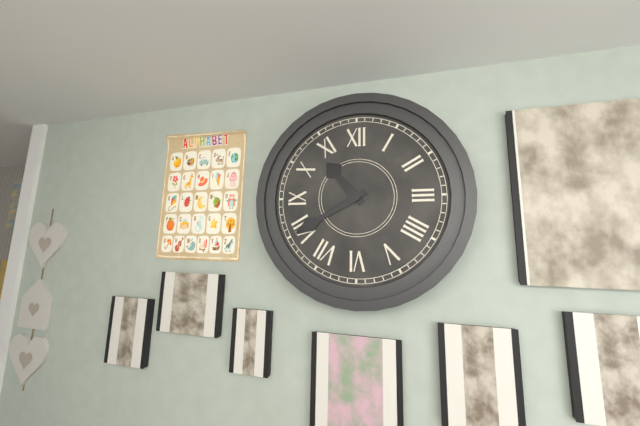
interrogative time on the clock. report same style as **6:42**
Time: **10:40**
